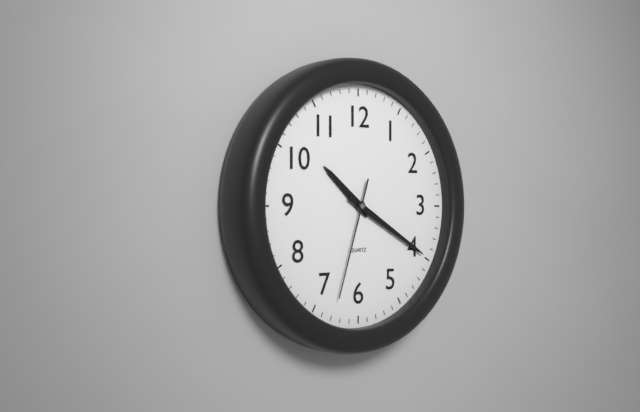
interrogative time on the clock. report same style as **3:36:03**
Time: **10:20:33**
